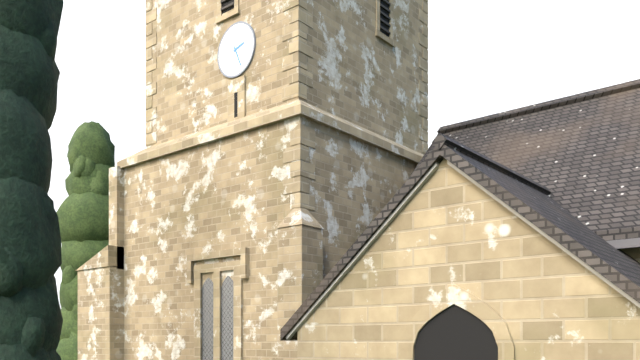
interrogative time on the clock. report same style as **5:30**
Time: **2:26**
